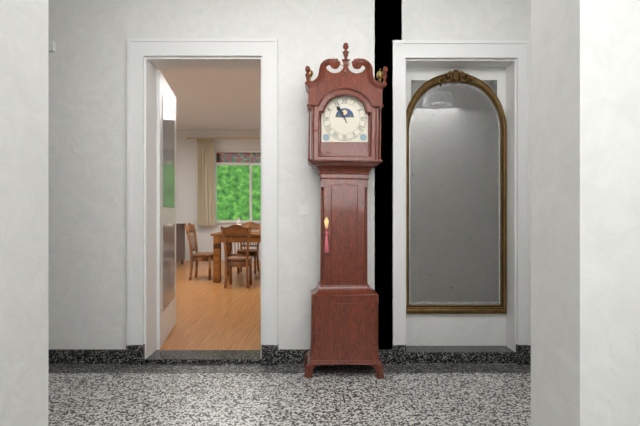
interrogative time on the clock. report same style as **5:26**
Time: **10:56**
